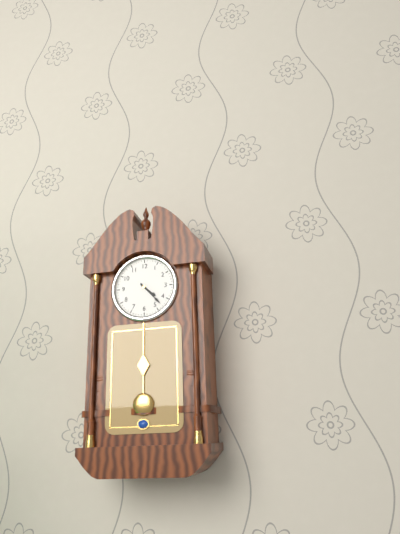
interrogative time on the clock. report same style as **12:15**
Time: **4:23**
